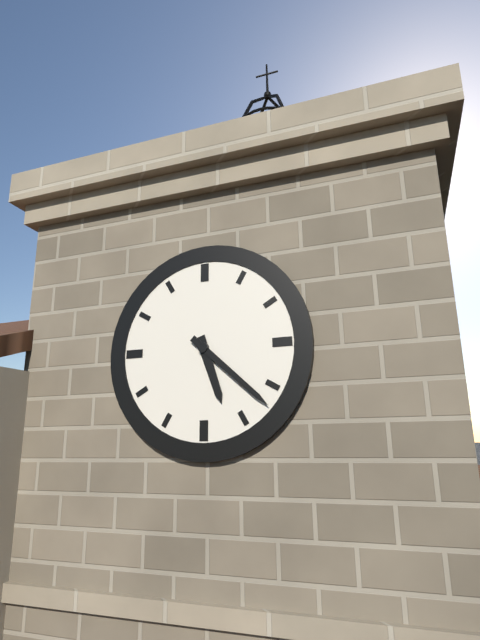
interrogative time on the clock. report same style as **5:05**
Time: **5:22**
